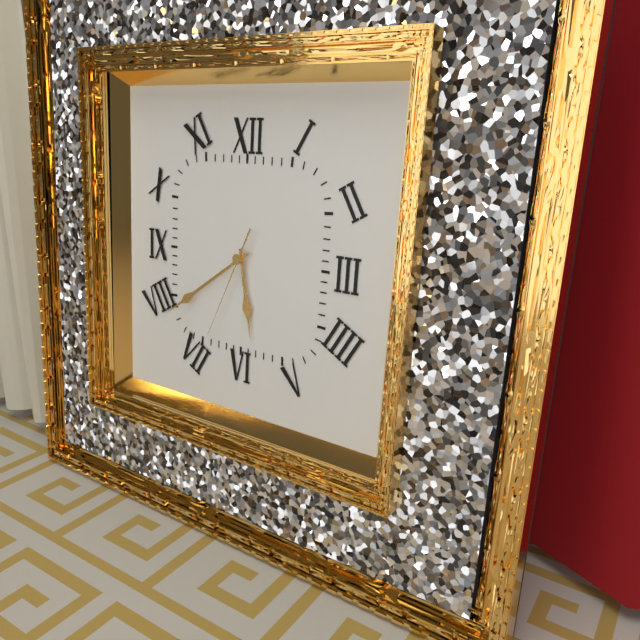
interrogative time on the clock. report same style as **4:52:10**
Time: **5:39:34**
